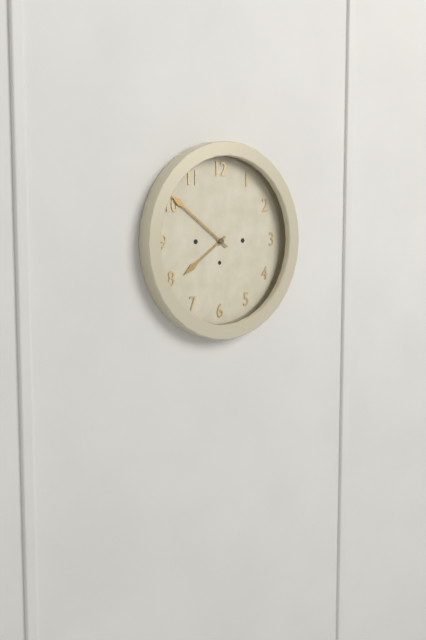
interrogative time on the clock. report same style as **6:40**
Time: **7:51**
